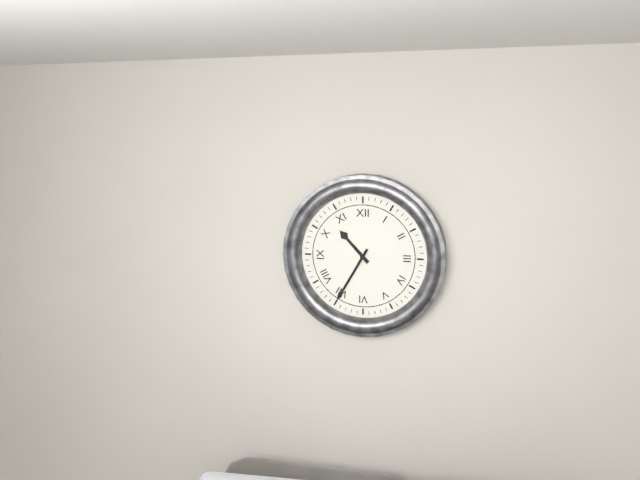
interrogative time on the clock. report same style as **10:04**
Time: **10:35**
